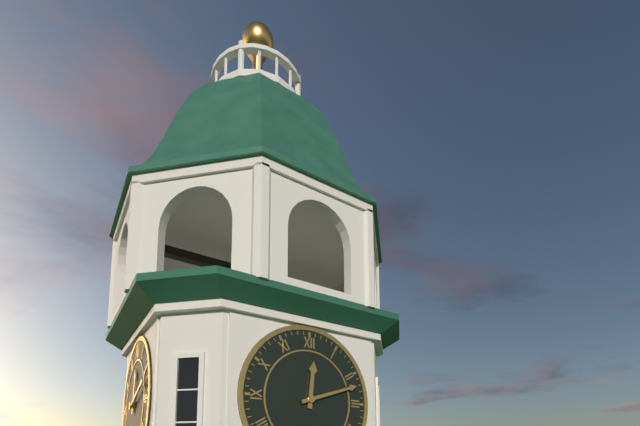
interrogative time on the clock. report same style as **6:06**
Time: **12:12**
